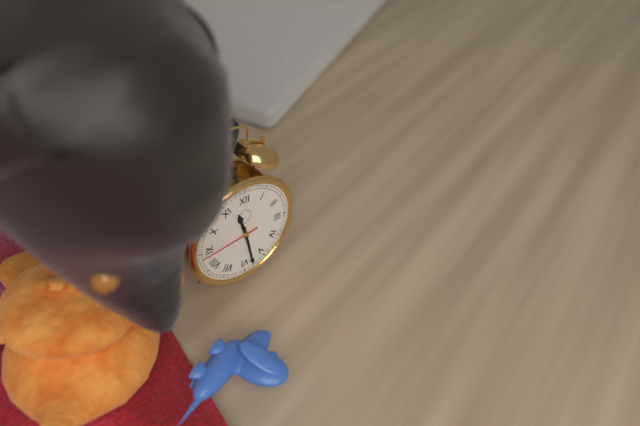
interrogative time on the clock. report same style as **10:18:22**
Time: **11:28:44**
